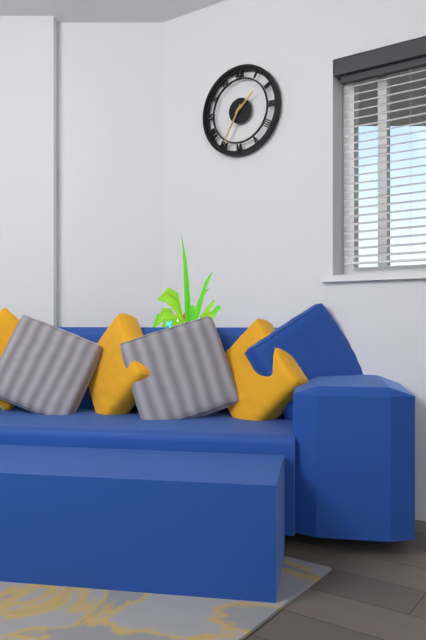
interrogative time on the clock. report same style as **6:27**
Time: **1:35**
